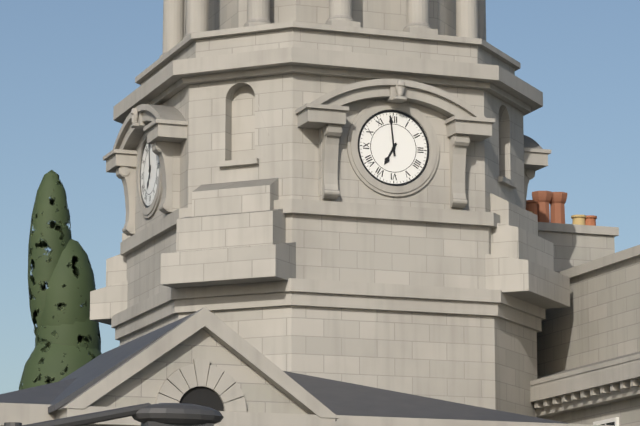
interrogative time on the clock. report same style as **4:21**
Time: **6:59**
